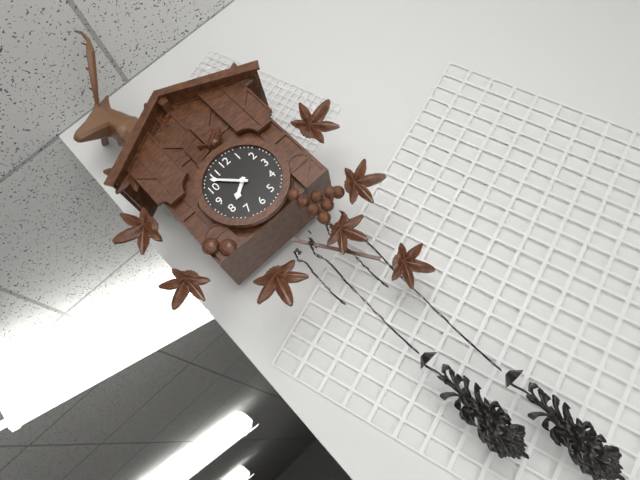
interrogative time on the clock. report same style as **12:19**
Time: **7:53**
